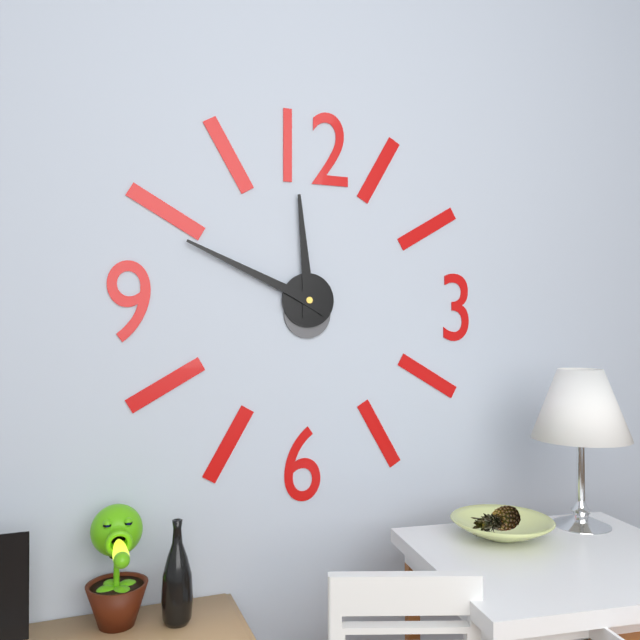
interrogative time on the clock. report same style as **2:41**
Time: **11:49**
